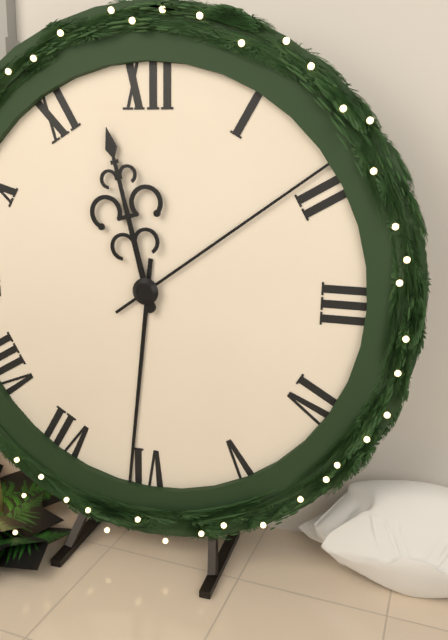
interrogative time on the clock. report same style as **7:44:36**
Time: **11:31:09**
